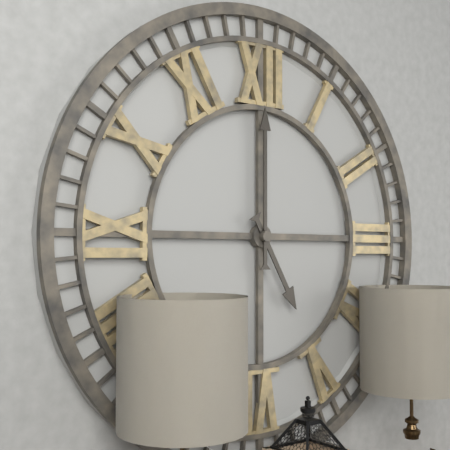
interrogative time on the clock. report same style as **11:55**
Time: **5:00**
